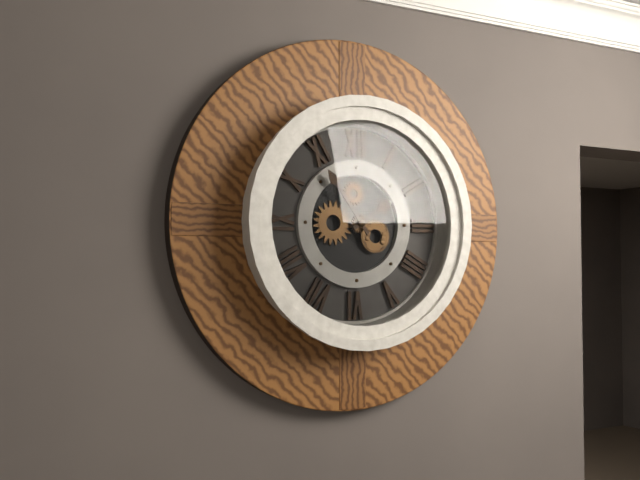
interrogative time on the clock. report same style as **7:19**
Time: **1:54**
